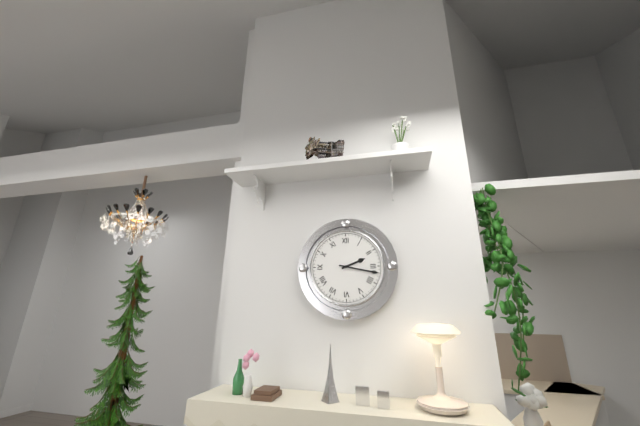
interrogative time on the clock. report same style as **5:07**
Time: **2:17**
